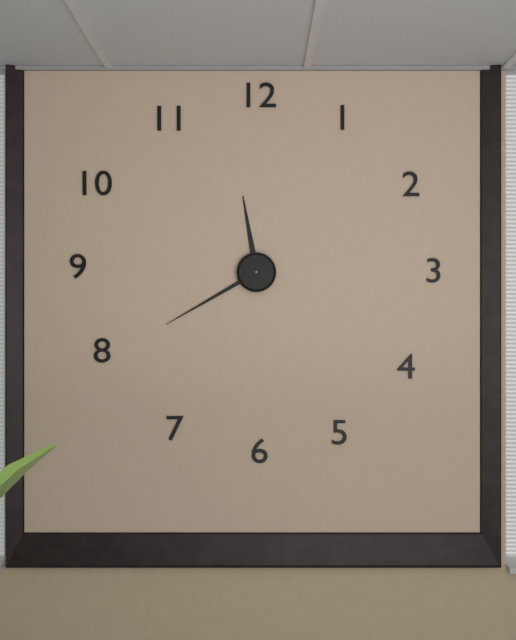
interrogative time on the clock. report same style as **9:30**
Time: **11:40**
